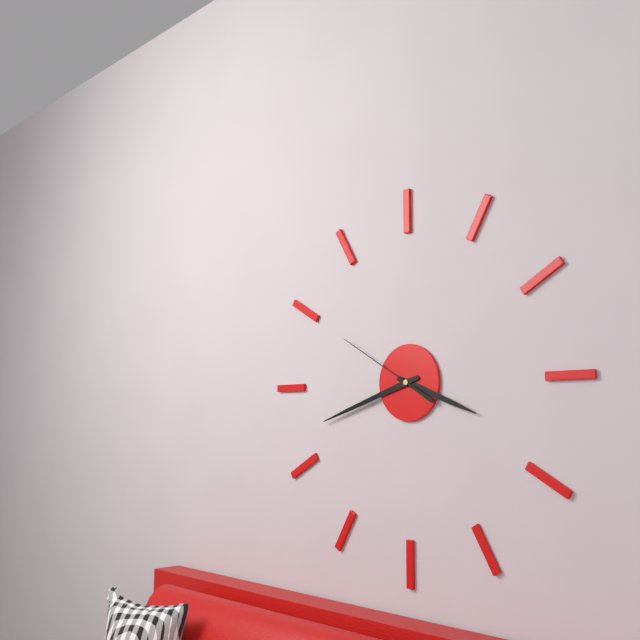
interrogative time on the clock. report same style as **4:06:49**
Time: **3:42:50**
